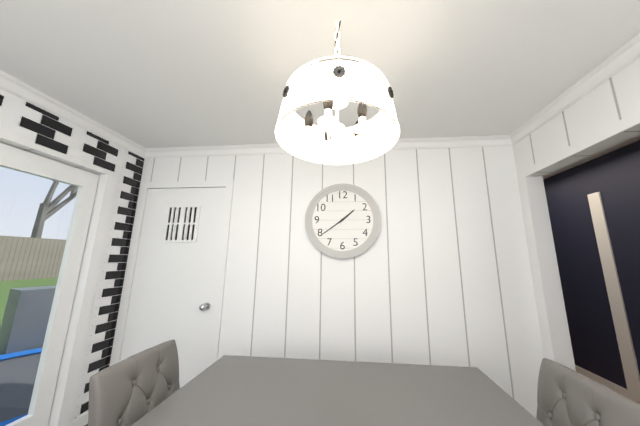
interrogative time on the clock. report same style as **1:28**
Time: **1:39**
